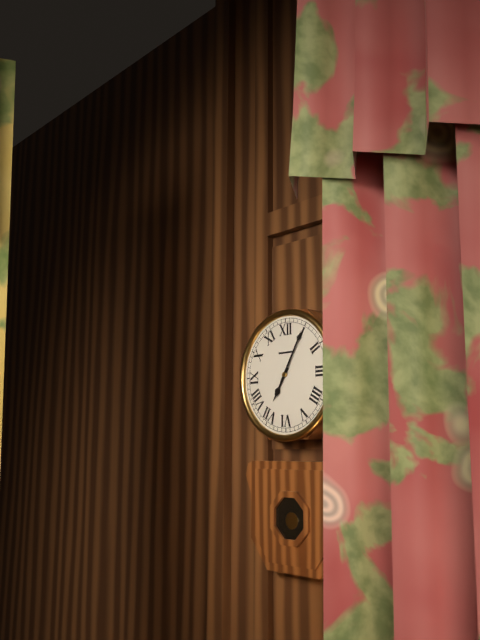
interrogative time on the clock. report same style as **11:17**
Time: **7:05**
